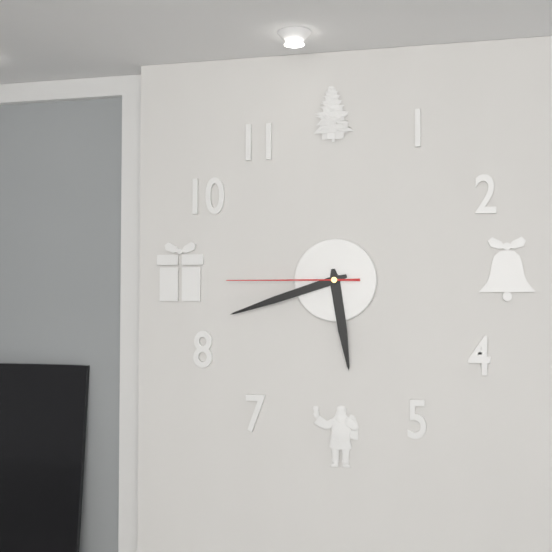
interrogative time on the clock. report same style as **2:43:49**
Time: **5:42:45**
